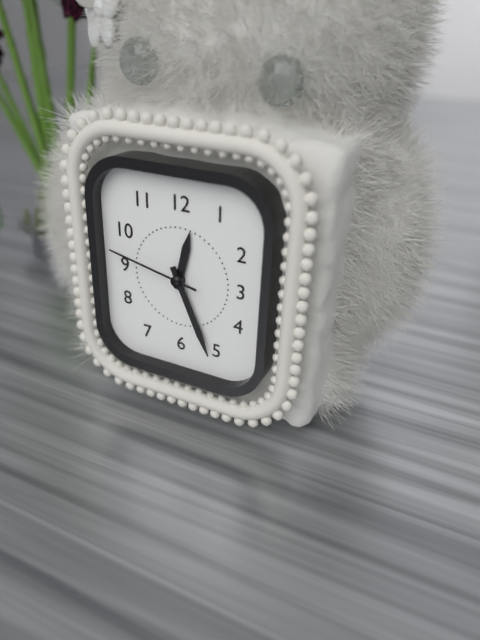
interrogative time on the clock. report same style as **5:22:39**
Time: **12:26:47**
